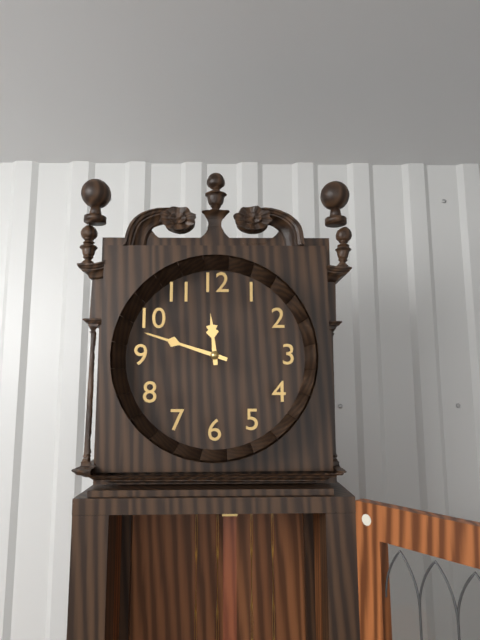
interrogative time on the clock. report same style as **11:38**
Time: **11:48**
